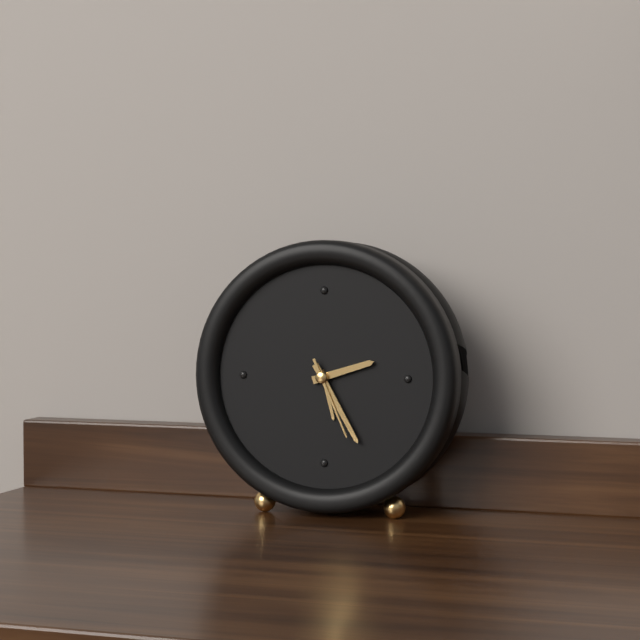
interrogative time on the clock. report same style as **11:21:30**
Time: **2:25:26**
